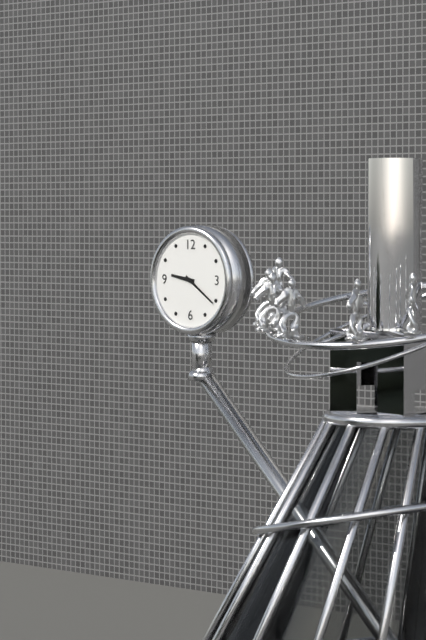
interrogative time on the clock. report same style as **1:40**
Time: **9:21**
